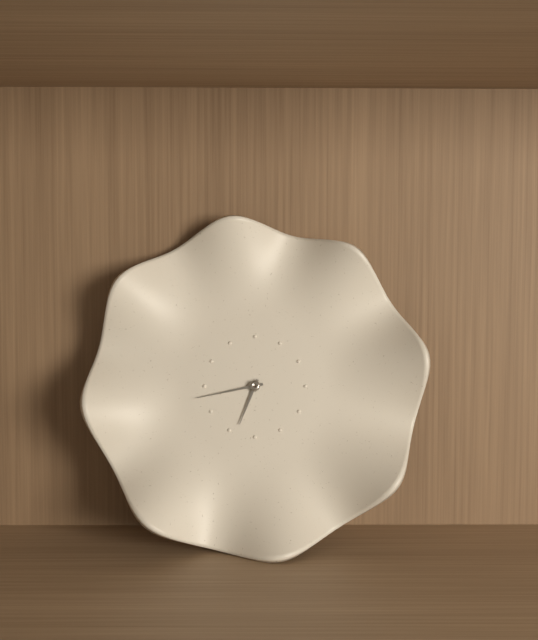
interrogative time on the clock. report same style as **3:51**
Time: **6:43**
